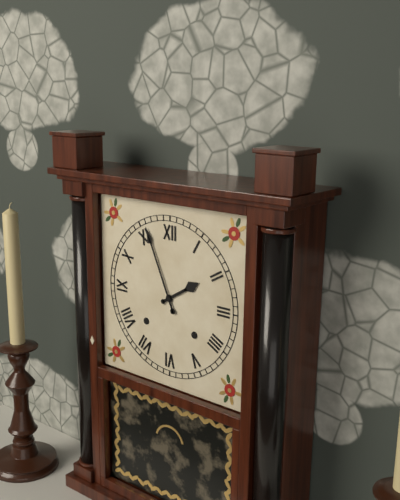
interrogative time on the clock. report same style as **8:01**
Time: **1:56**
